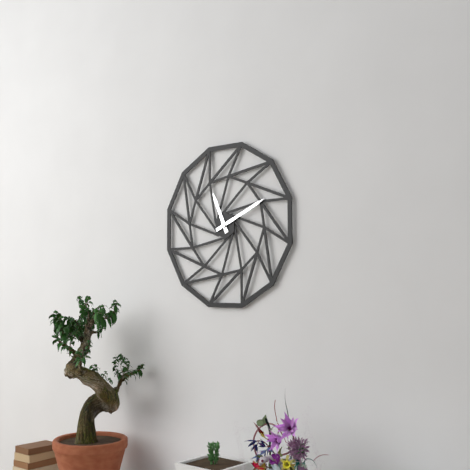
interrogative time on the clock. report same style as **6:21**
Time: **11:11**
